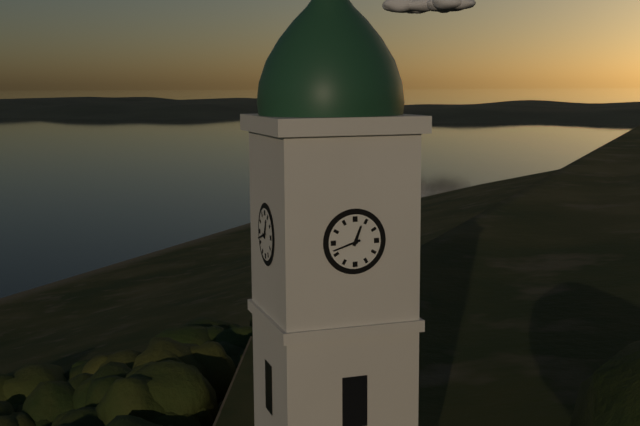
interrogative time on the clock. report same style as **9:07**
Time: **12:42**
